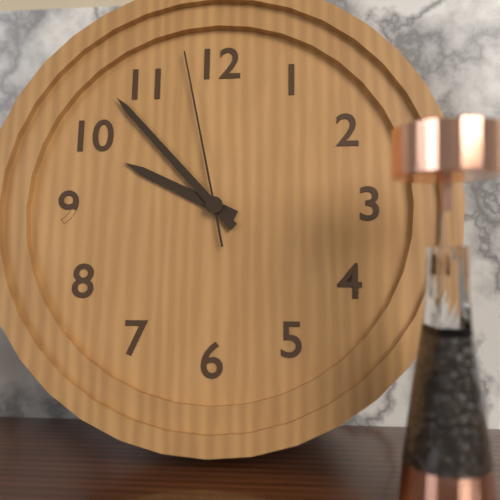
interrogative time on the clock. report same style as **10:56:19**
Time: **9:53:58**
